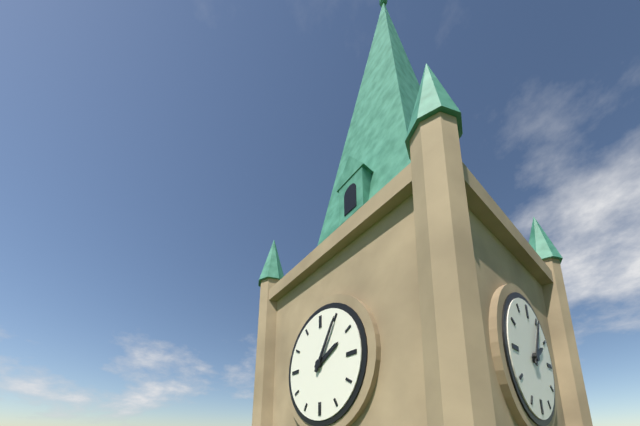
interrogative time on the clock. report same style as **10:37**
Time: **2:05**
